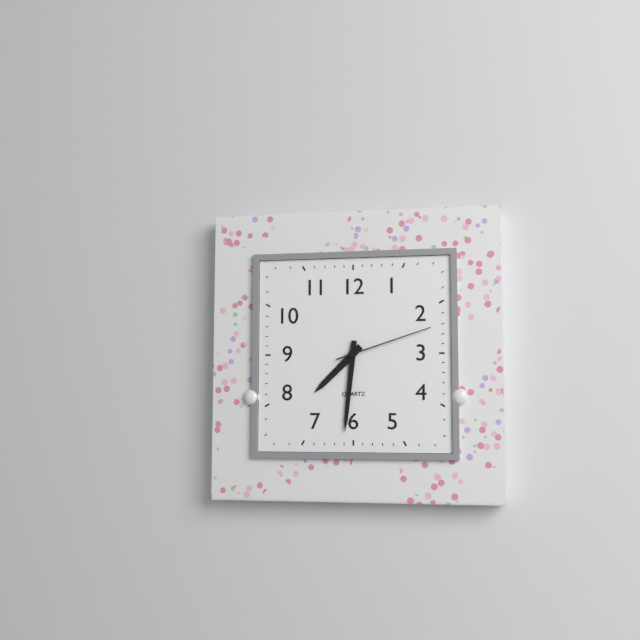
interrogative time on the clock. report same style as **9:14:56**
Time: **7:31:12**
